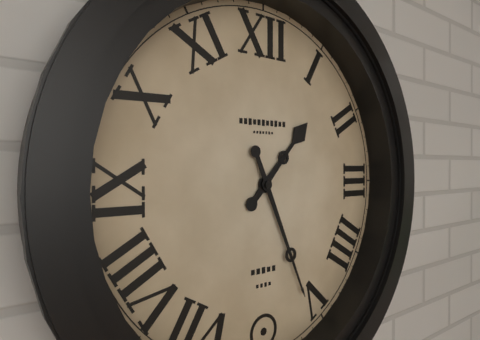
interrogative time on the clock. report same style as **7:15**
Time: **1:26**
